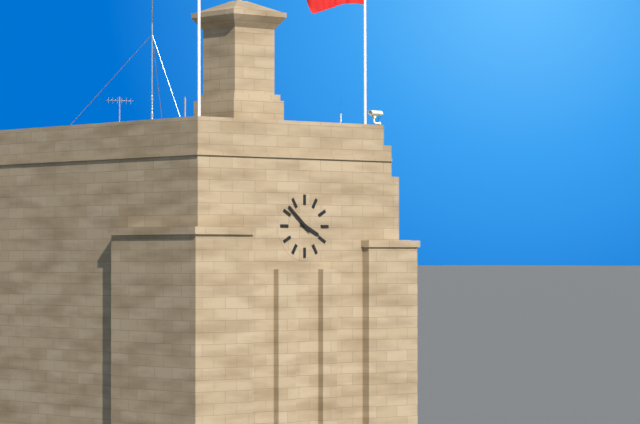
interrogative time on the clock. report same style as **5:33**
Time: **3:52**
